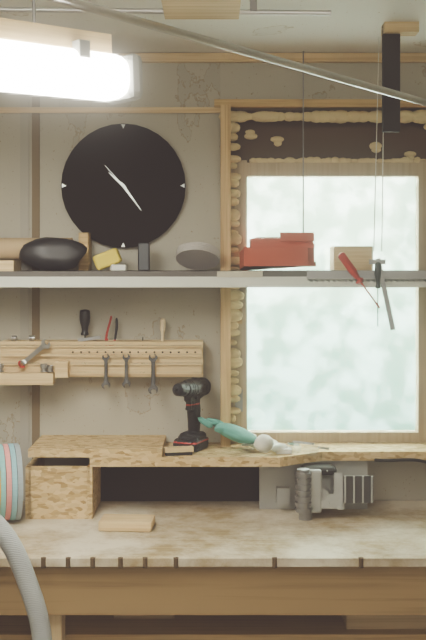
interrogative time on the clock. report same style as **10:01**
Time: **10:24**
